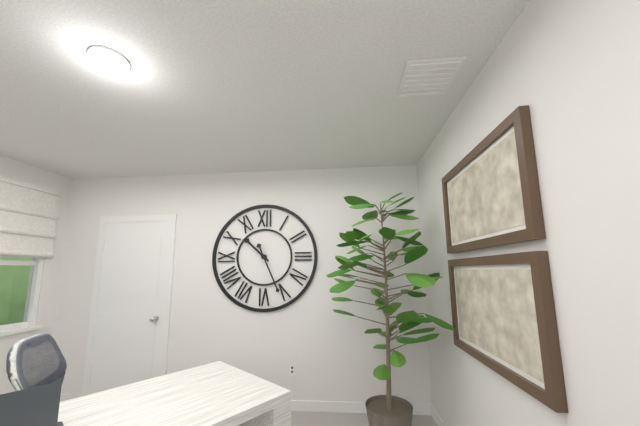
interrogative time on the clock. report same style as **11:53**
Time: **10:26**
